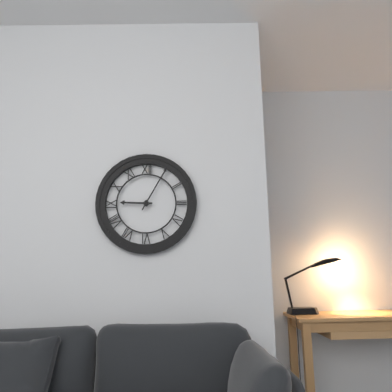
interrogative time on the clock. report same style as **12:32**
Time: **9:05**
